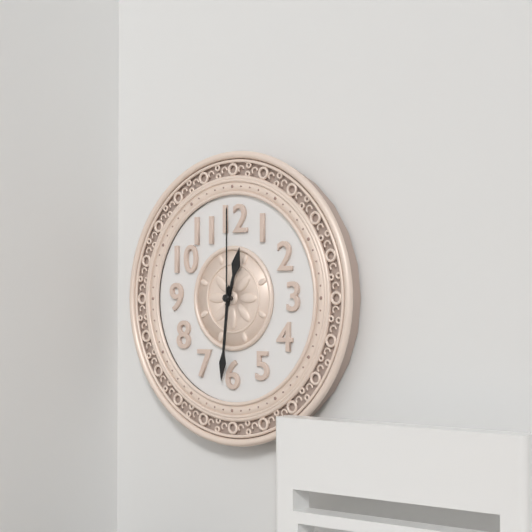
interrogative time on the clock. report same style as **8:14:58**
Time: **12:31:00**
